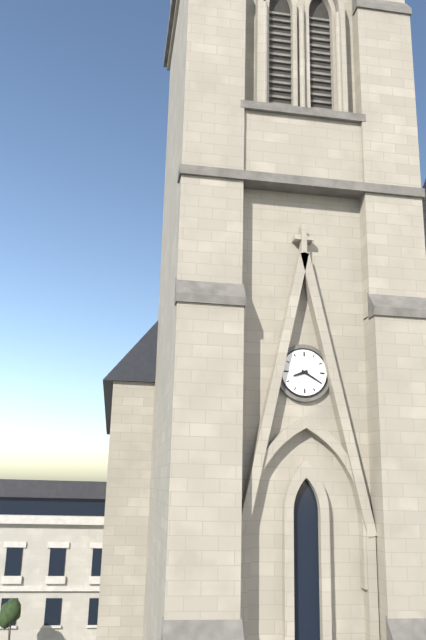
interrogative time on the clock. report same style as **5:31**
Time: **8:20**
